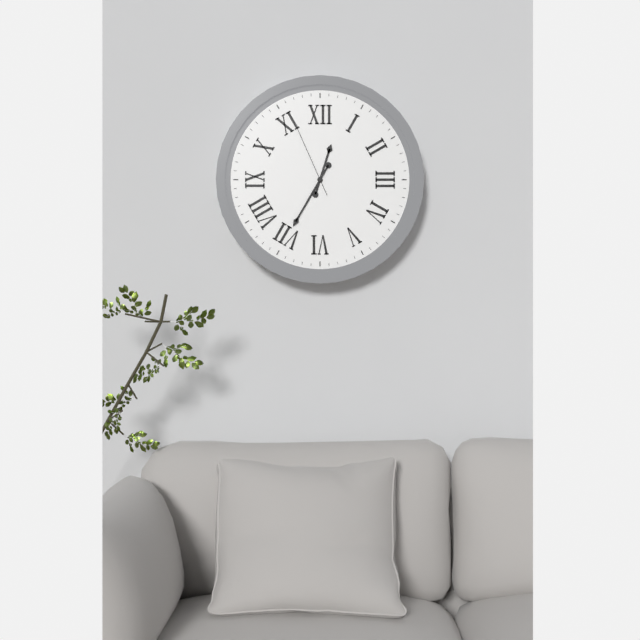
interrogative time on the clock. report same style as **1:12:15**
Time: **12:35:56**
